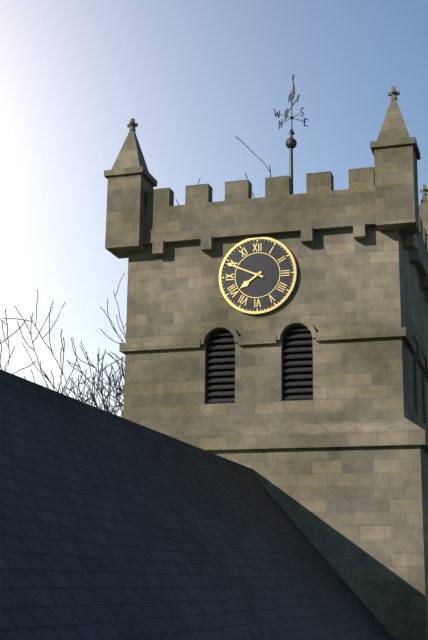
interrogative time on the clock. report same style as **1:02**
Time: **7:49**
